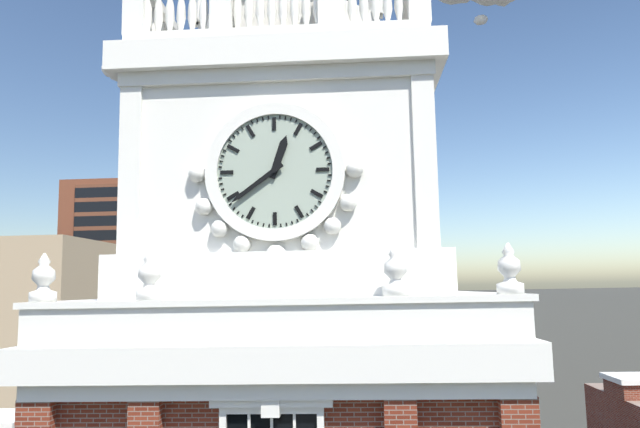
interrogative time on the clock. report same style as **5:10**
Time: **12:39**
